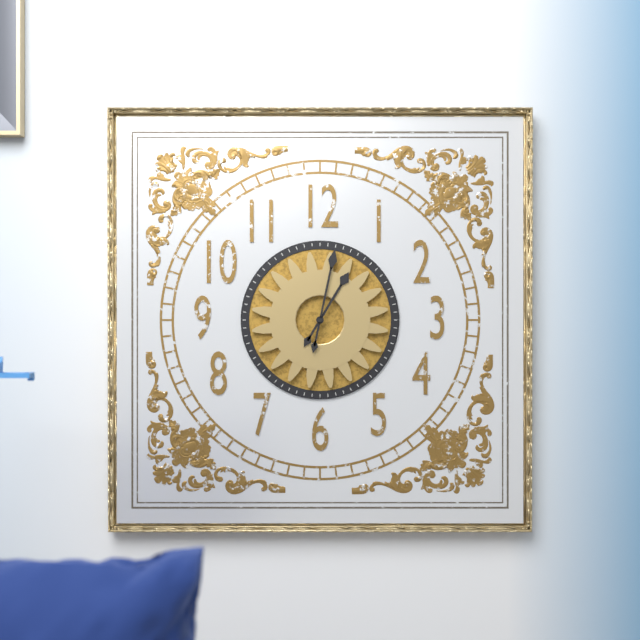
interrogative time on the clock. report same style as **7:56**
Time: **1:02**
